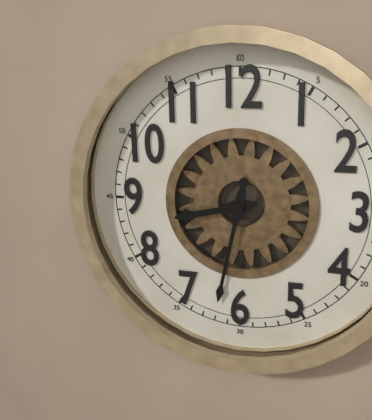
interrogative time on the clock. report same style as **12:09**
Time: **8:32**
